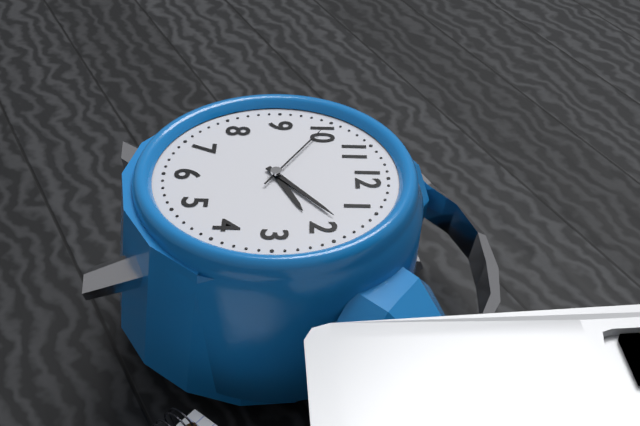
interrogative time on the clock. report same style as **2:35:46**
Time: **2:08:50**
